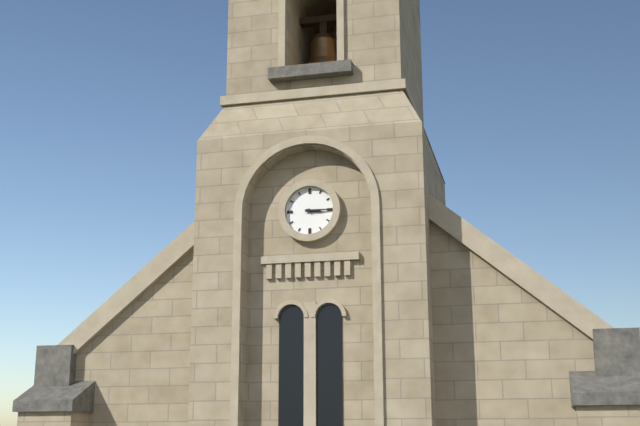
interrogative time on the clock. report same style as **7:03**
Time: **3:15**
